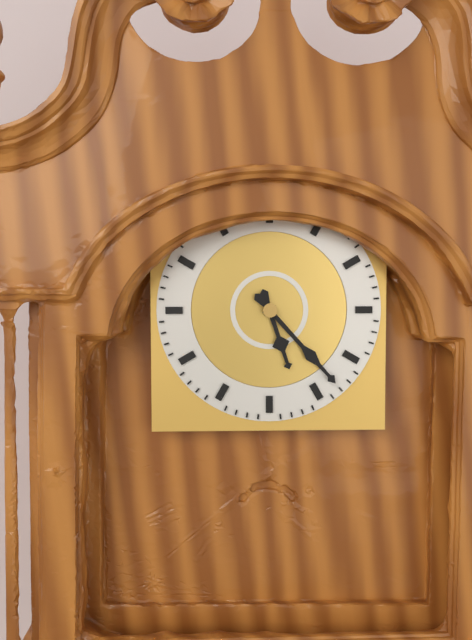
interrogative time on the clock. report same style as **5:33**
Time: **5:23**
